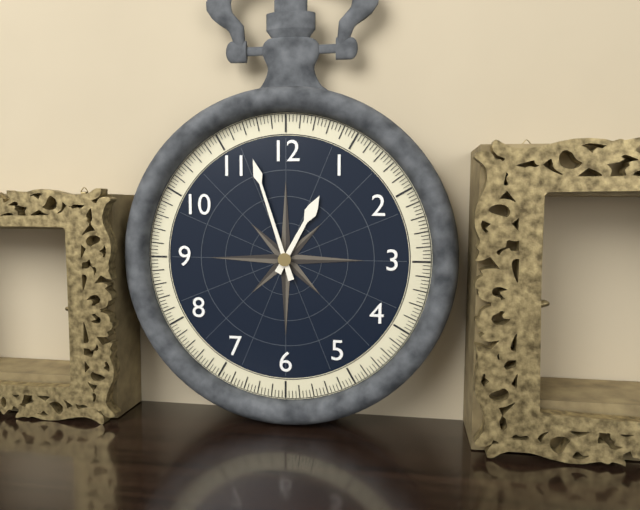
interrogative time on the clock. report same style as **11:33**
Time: **12:57**
